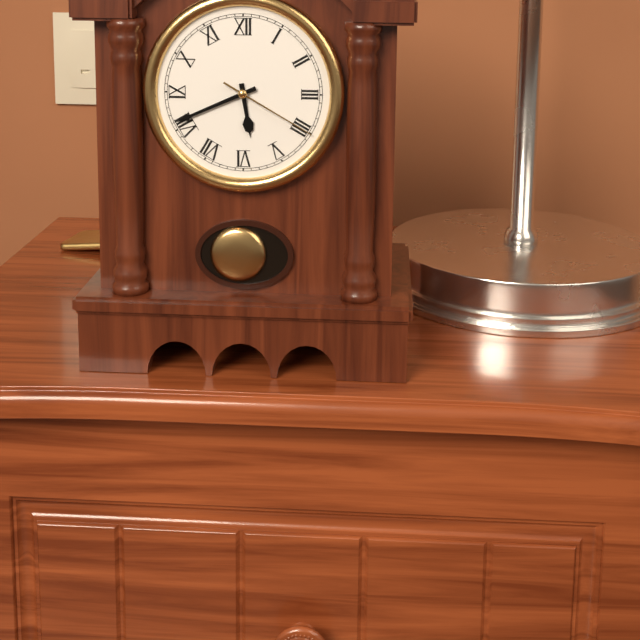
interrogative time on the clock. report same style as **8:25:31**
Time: **5:41:20**
